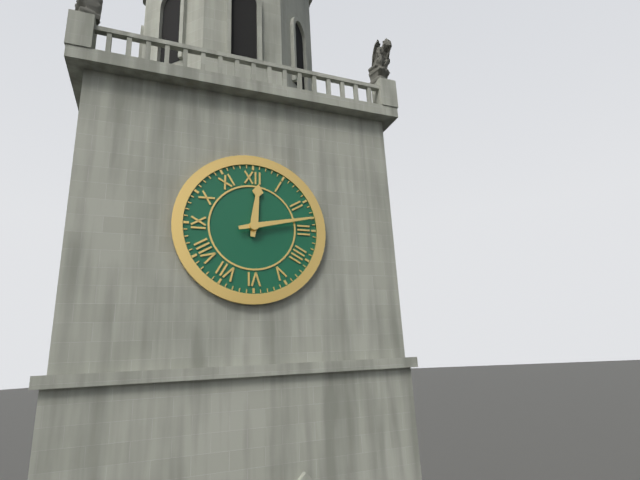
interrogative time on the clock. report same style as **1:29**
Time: **12:13**
